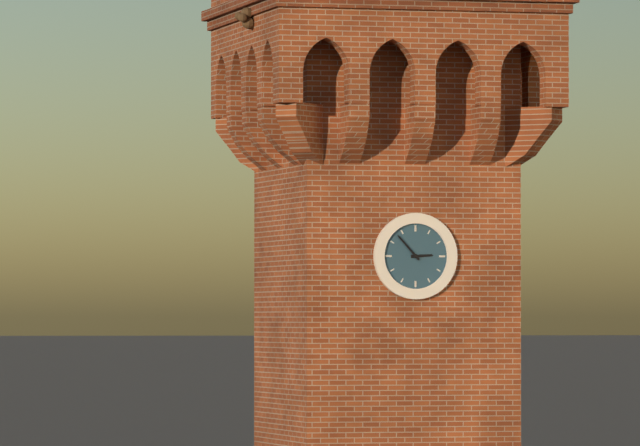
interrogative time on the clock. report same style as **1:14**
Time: **2:53**
